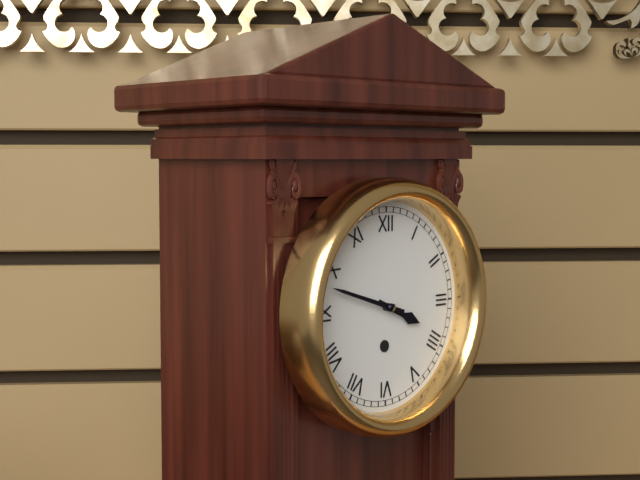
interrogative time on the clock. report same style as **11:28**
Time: **3:48**
